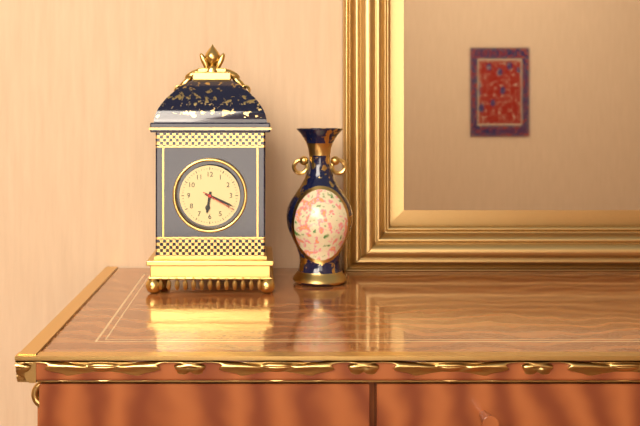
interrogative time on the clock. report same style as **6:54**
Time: **6:19**
